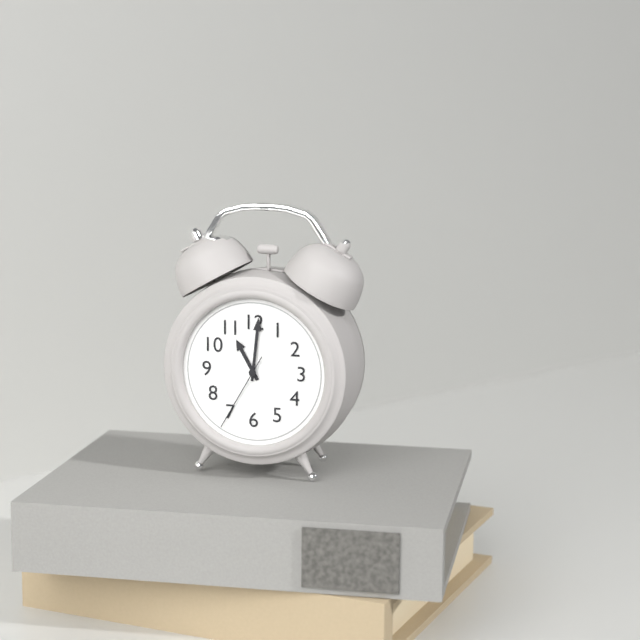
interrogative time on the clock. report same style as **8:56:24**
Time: **11:01:35**
